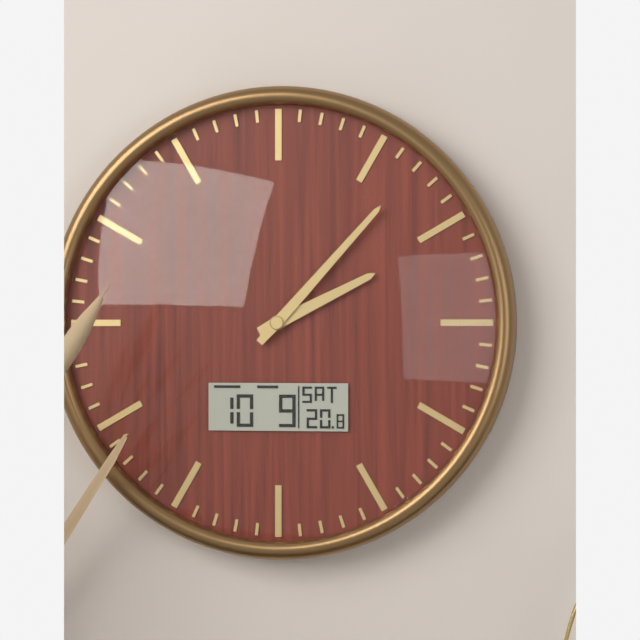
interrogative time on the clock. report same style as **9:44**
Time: **2:07**
